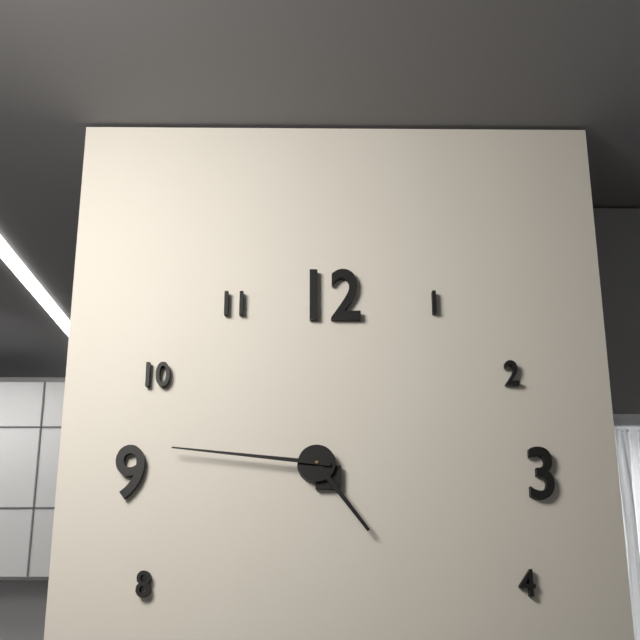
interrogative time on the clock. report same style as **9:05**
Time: **4:46**
